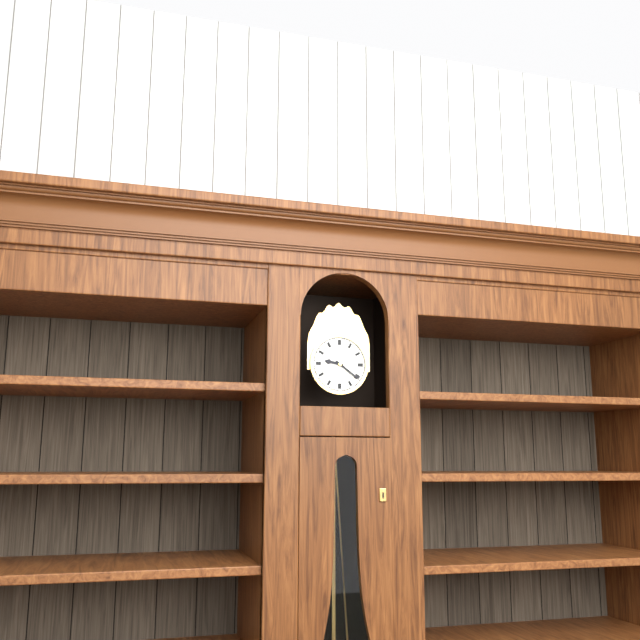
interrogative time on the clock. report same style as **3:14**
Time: **9:21**
